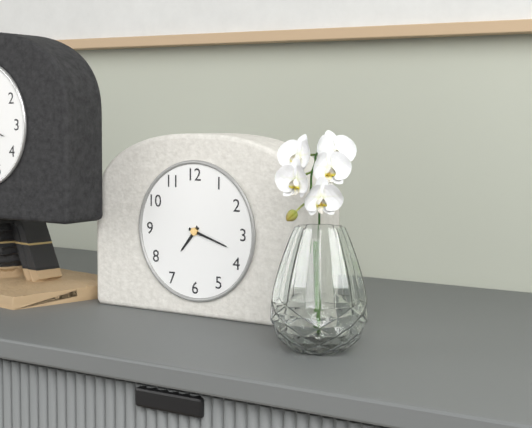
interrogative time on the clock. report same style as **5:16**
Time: **7:18**
